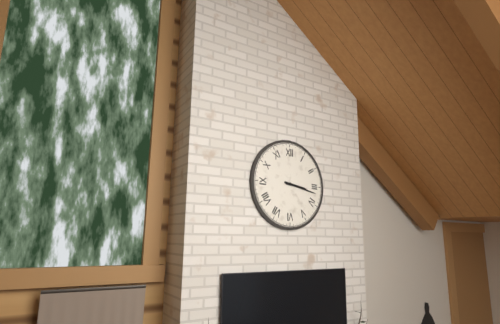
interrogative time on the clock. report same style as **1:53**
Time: **3:17**
